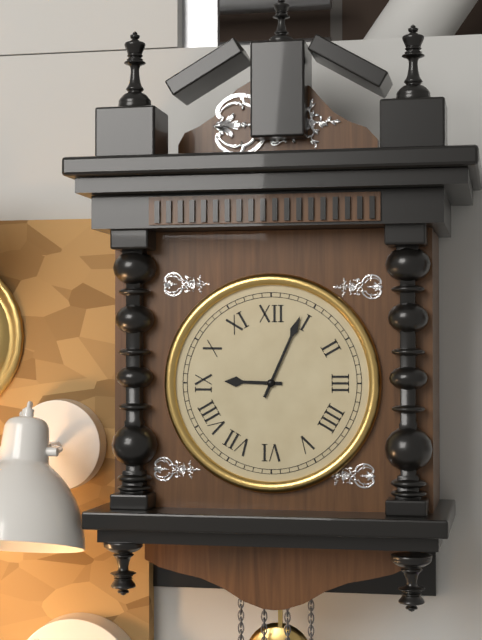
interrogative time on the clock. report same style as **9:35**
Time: **9:04**
